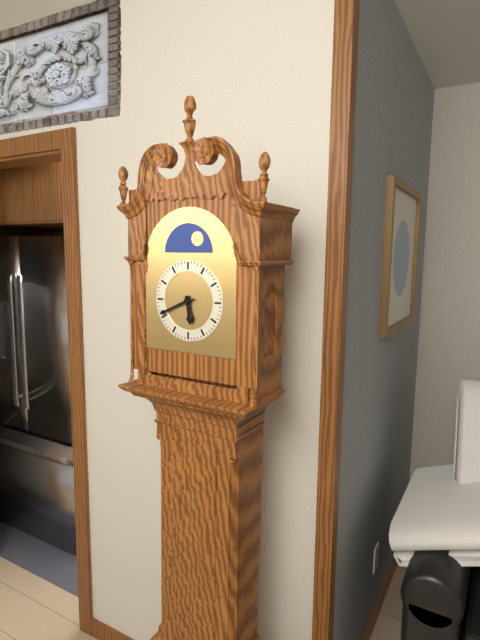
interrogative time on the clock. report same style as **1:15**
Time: **5:41**
